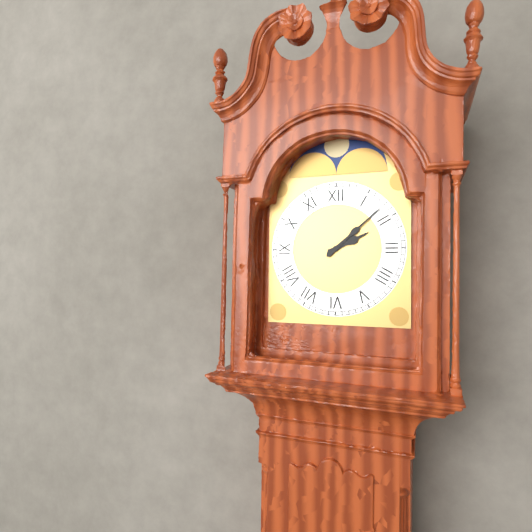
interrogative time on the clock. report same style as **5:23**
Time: **2:08**
